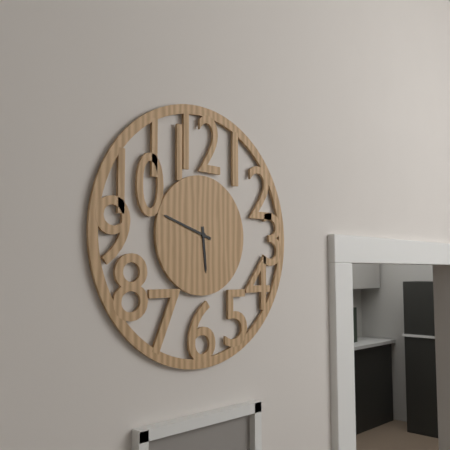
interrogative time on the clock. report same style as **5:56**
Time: **5:48**
